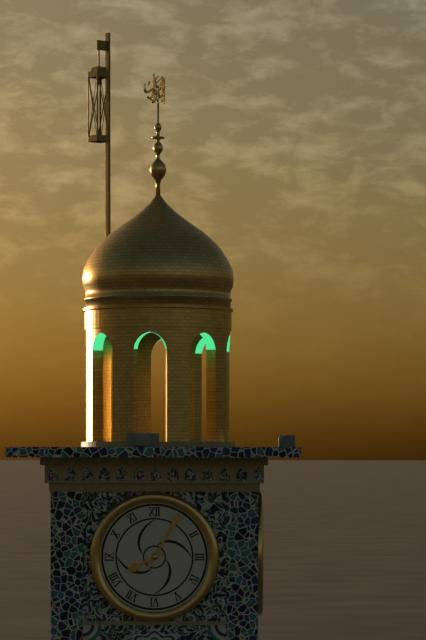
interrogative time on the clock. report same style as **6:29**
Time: **8:05**
